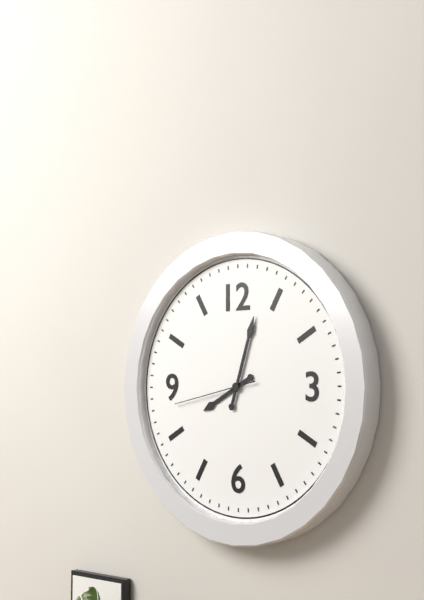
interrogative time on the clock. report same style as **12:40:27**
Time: **8:03:43**
